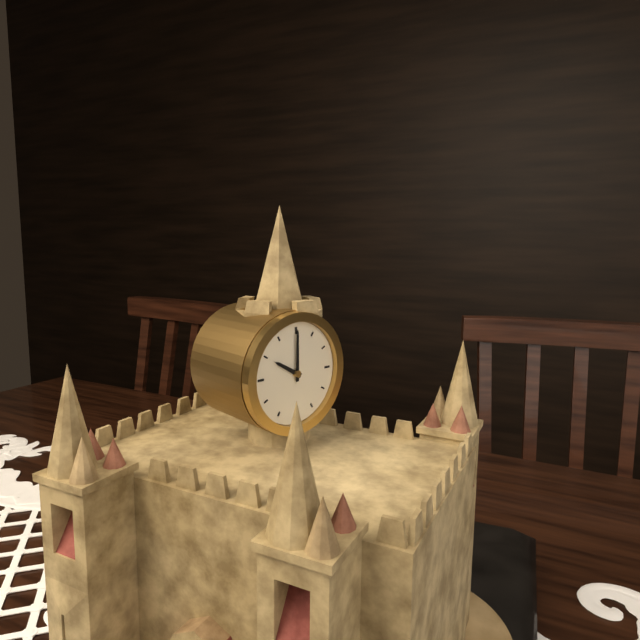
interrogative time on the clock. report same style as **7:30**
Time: **10:00**
